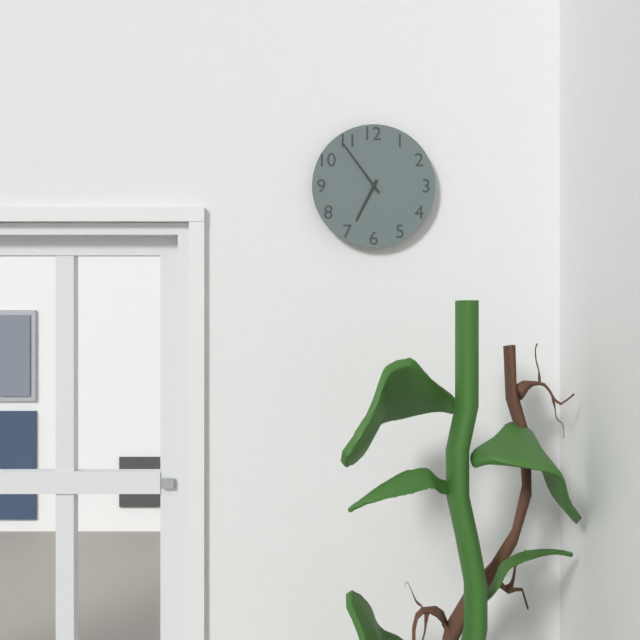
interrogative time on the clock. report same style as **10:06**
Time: **6:54**
